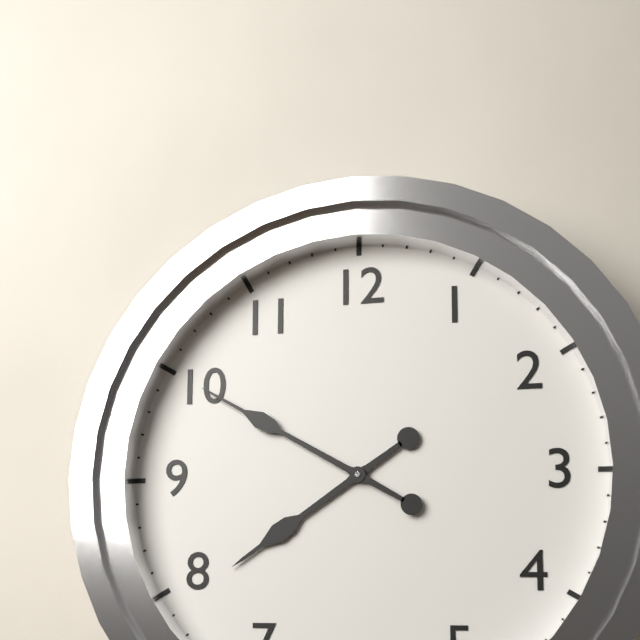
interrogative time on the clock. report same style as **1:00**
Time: **7:50**
